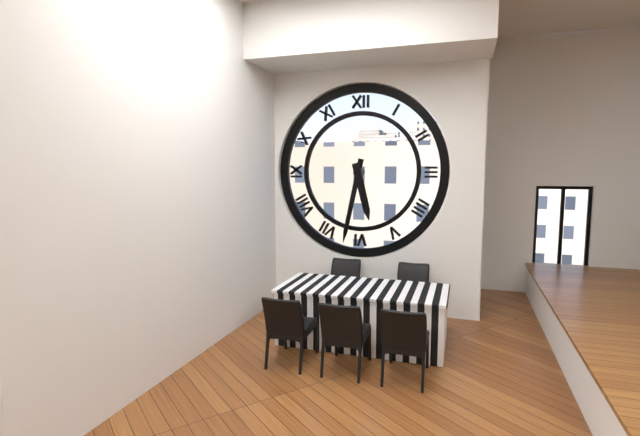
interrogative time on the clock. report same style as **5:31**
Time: **5:32**
